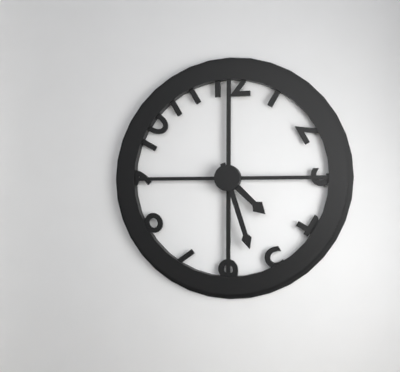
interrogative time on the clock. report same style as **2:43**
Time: **4:27**
